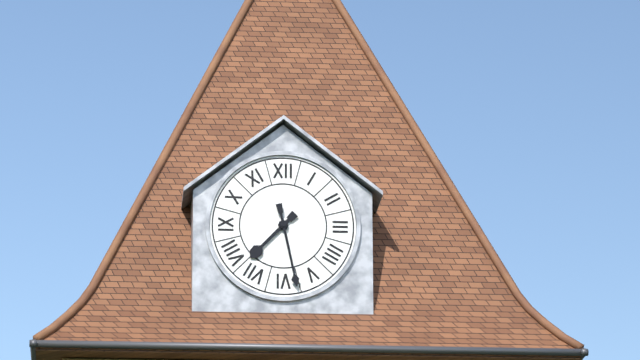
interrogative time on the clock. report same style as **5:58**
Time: **7:28**
